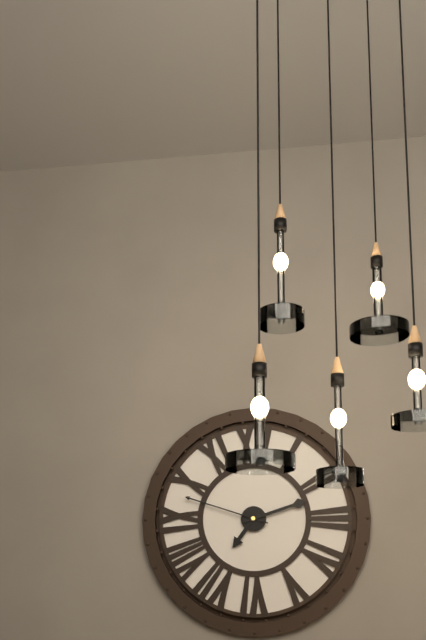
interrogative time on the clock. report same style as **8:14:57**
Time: **7:12:48**
